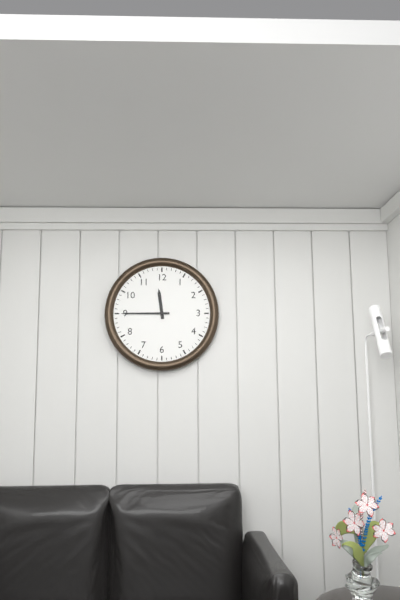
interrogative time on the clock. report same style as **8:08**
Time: **11:45**
